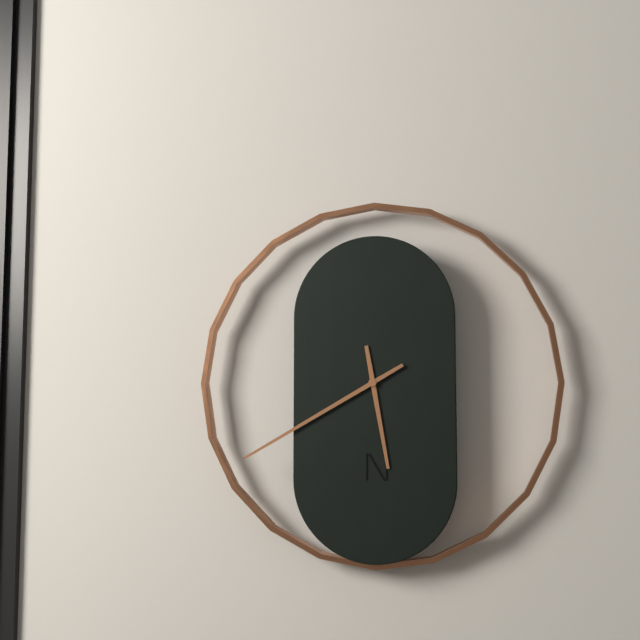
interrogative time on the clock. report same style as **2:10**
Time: **5:40**
